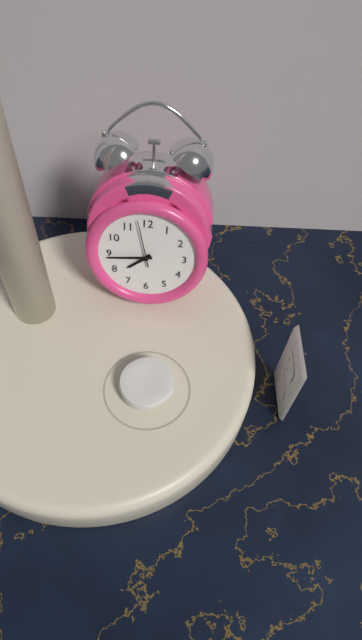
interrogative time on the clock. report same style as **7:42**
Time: **7:44**
